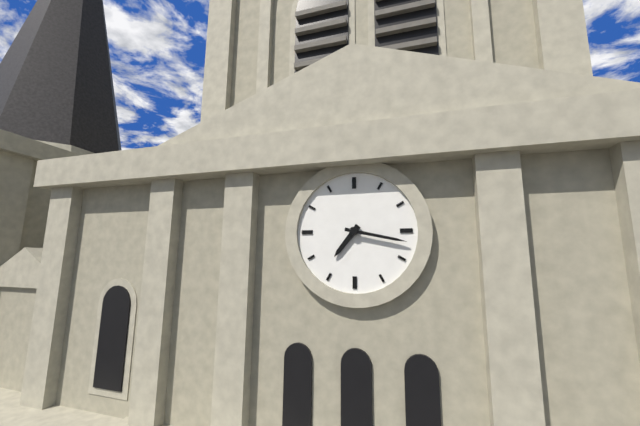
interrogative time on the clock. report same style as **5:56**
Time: **7:17**
